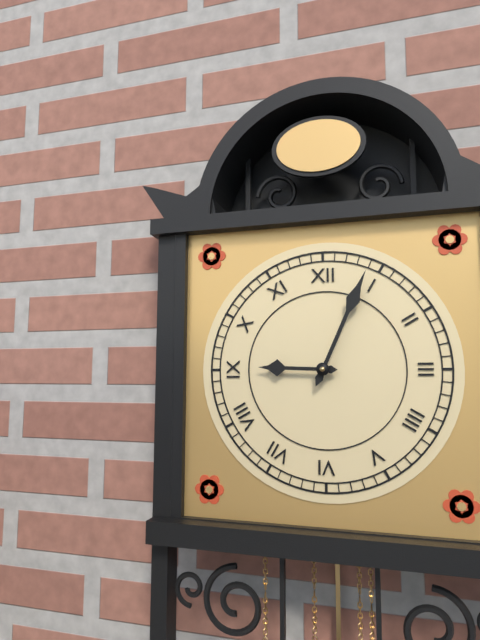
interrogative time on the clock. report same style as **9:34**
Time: **9:04**
